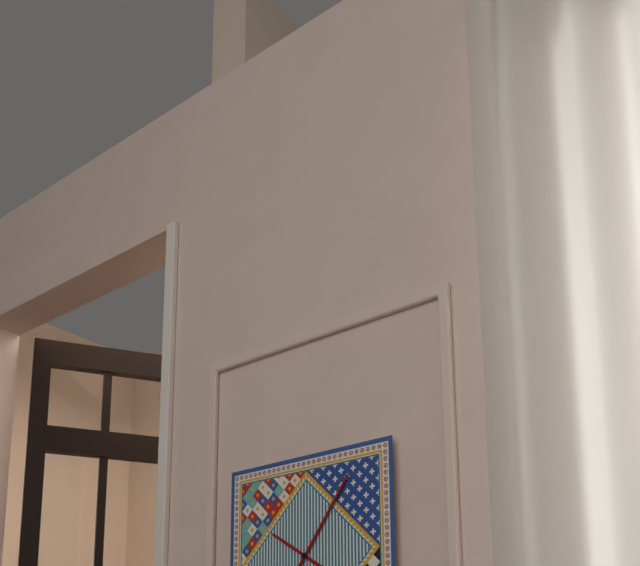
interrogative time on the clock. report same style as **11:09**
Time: **10:06**
